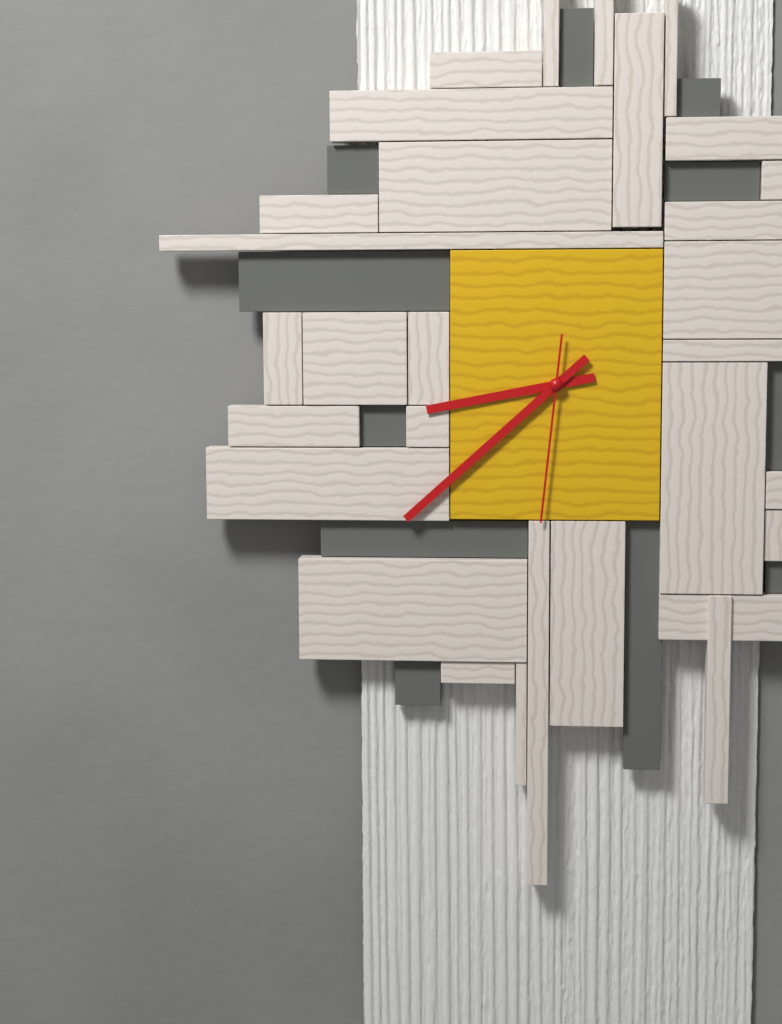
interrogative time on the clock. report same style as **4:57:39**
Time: **8:38:31**
